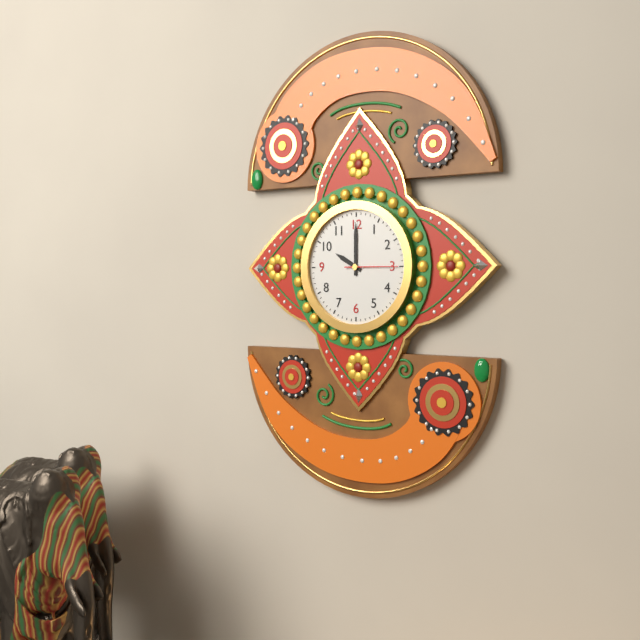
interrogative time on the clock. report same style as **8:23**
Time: **10:00**
